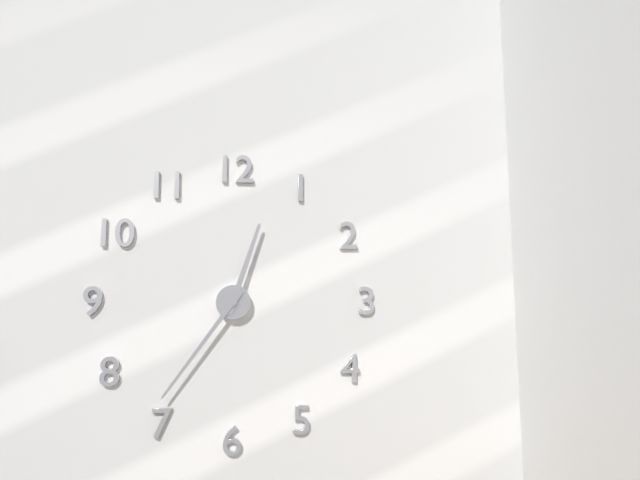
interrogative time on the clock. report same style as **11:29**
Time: **12:36**
